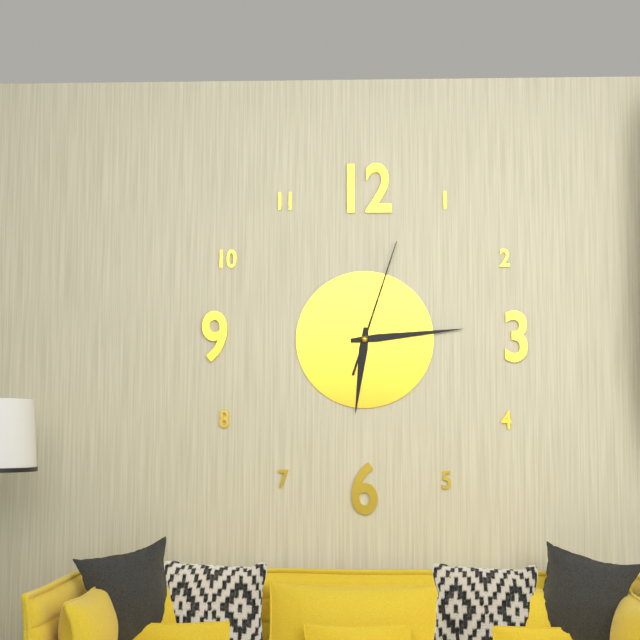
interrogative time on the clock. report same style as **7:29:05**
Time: **6:14:03**
